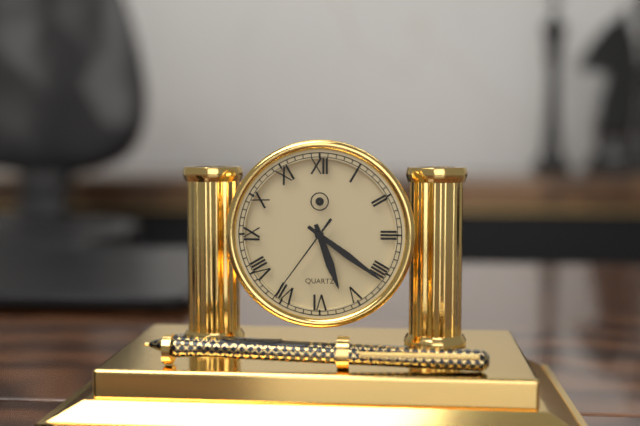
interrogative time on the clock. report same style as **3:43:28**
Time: **5:21:36**
